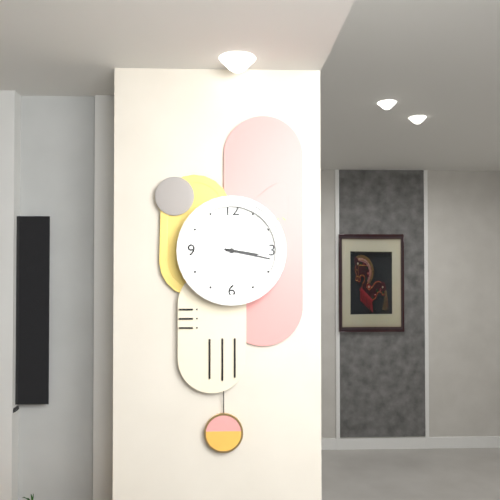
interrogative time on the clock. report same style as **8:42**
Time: **3:17**
